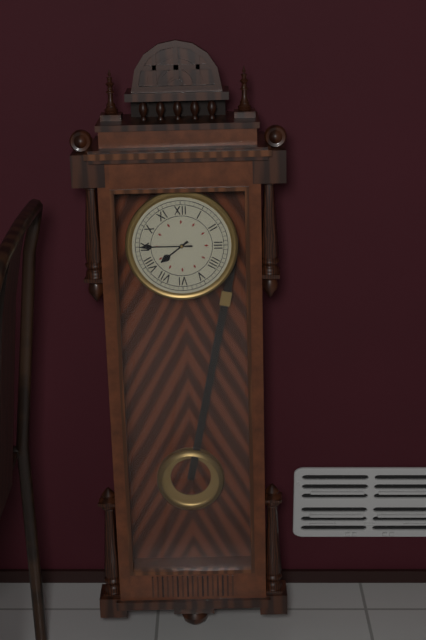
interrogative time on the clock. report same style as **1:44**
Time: **7:45**
